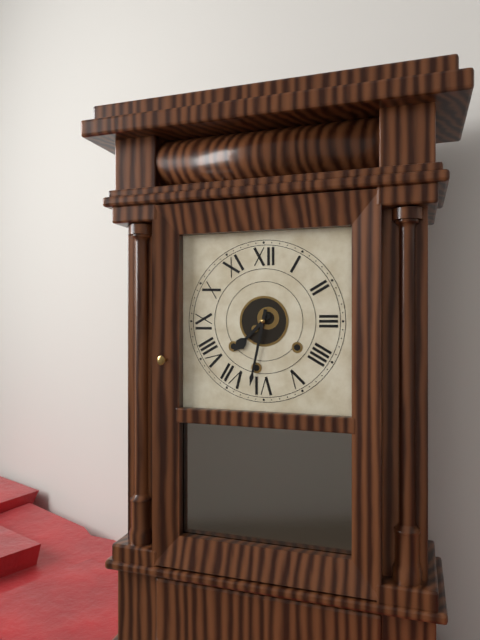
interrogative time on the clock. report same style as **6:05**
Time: **7:32**
